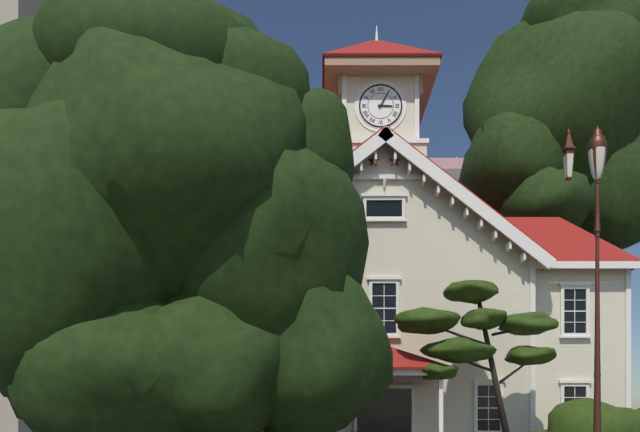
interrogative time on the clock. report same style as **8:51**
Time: **3:05**
